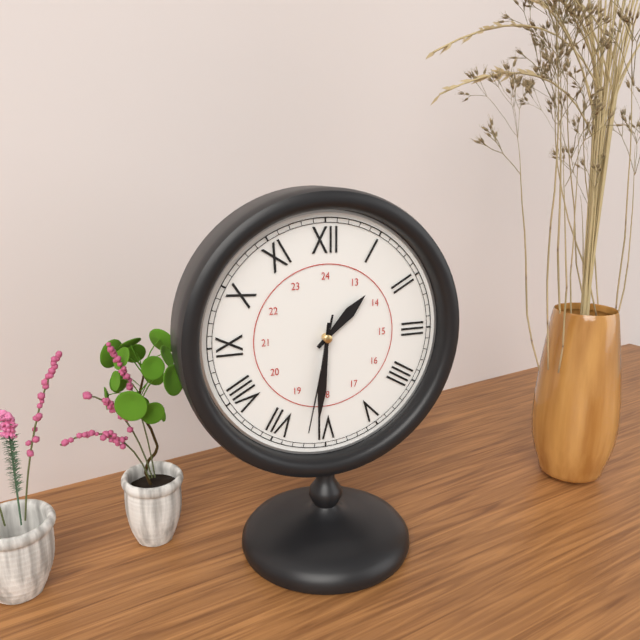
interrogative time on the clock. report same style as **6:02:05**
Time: **1:31:32**
